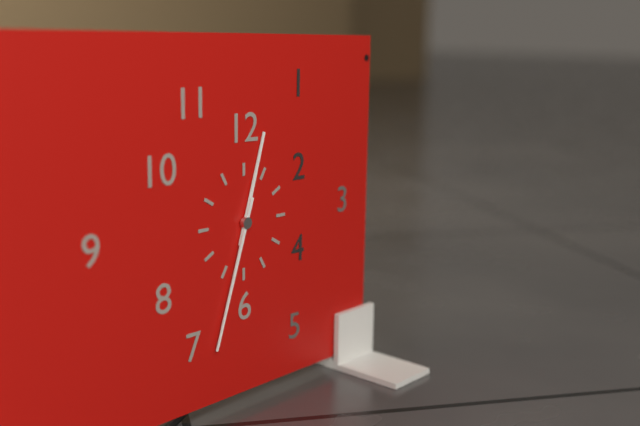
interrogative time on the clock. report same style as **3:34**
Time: **12:33**
